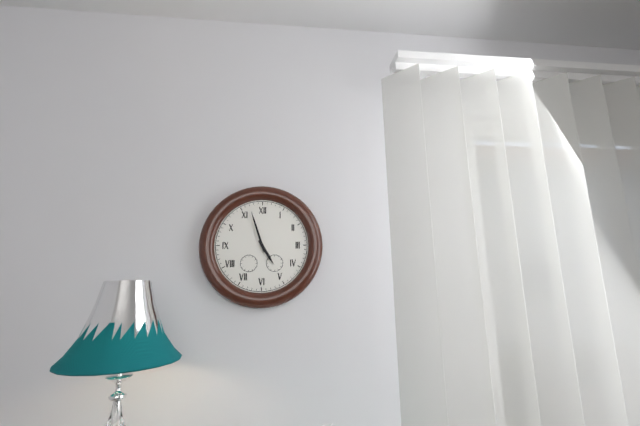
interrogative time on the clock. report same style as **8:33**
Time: **4:57**
